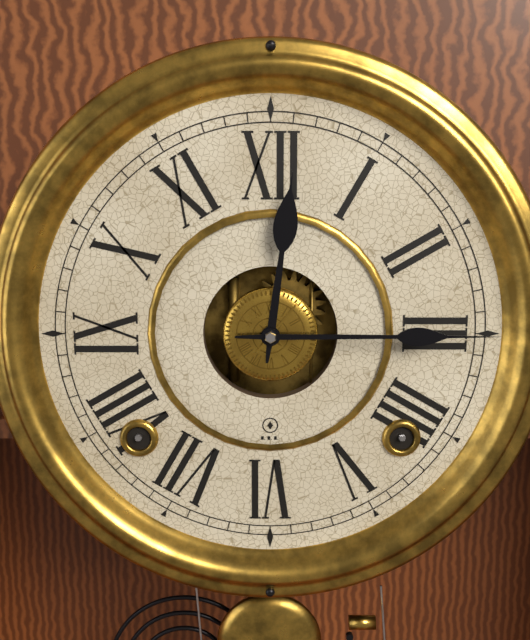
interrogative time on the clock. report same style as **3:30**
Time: **12:15**
